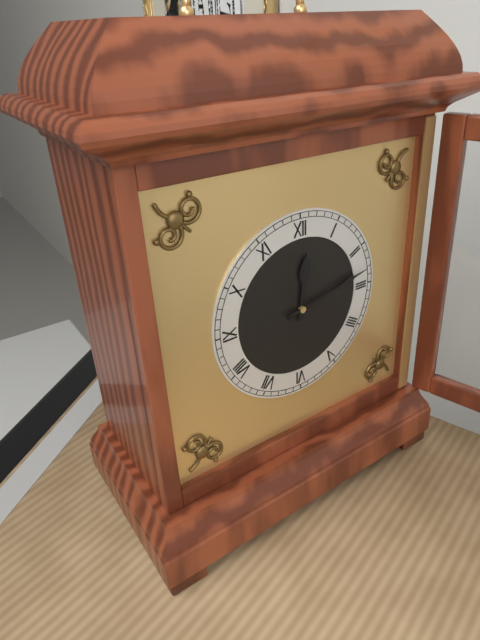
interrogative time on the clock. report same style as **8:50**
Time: **12:13**
